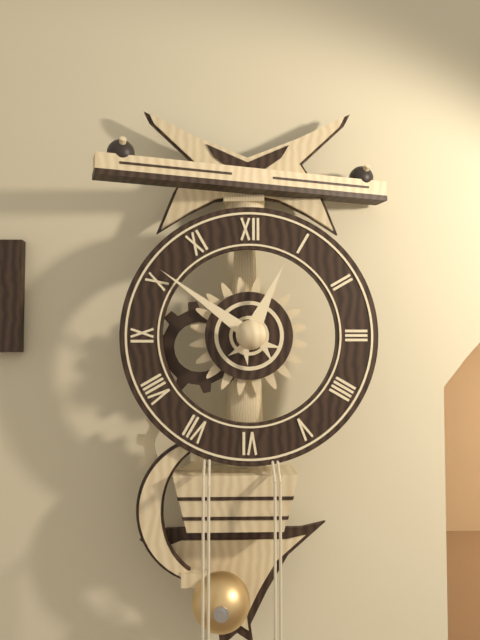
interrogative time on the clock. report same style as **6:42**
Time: **12:51**
